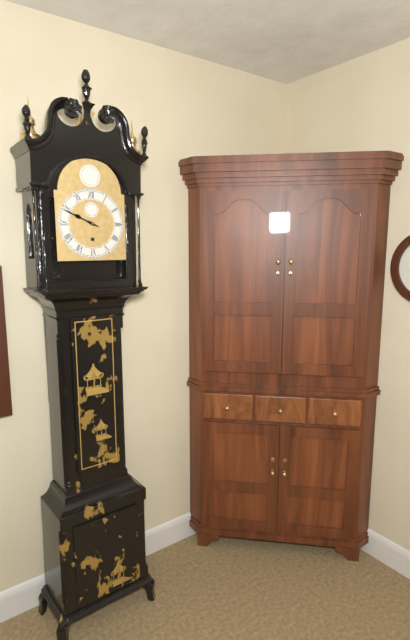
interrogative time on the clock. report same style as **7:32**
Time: **9:49**
